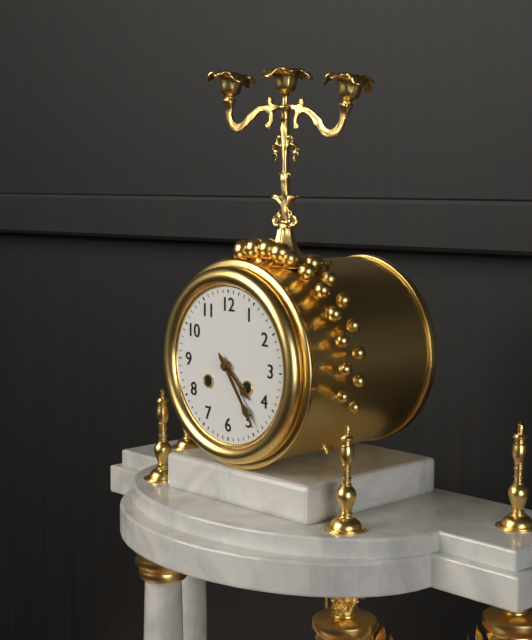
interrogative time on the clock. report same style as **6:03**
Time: **4:24**
